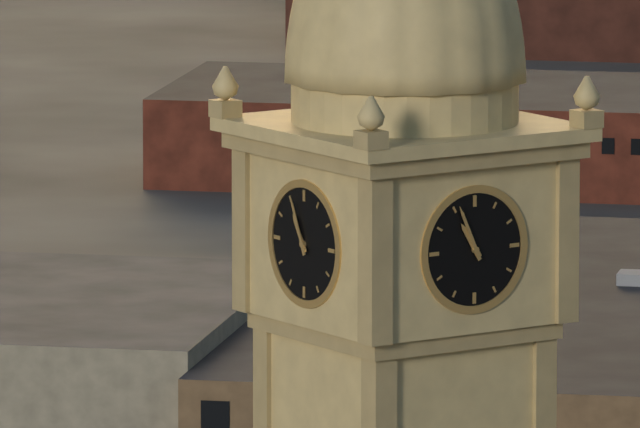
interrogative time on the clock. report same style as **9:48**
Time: **10:56**
